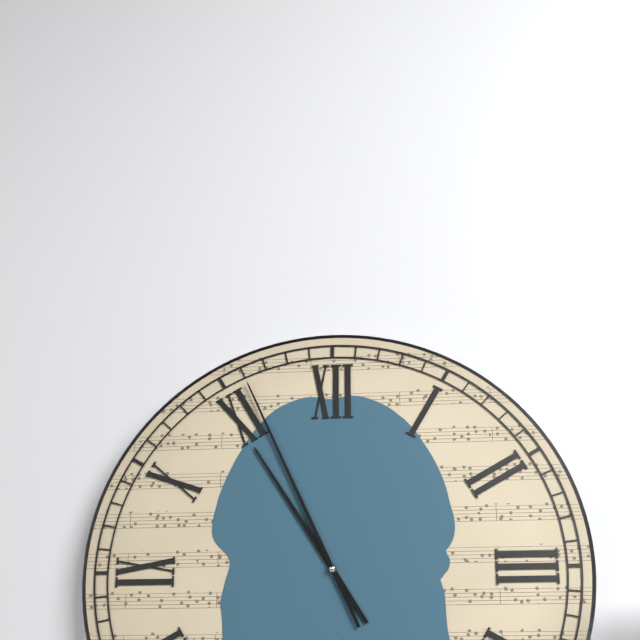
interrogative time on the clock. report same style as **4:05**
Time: **10:56**
